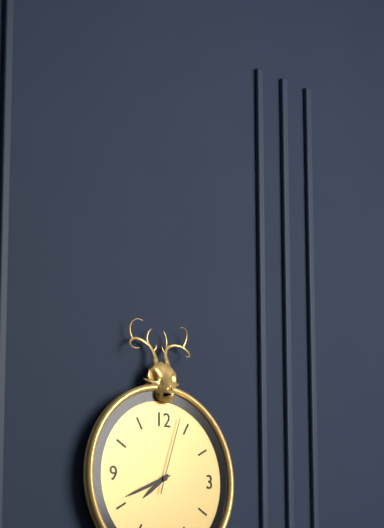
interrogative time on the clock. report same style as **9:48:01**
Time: **7:41:03**
